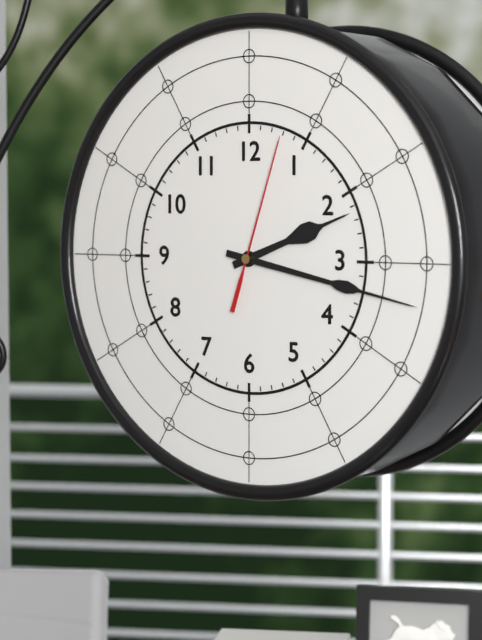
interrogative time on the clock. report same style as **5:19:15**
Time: **2:17:03**
